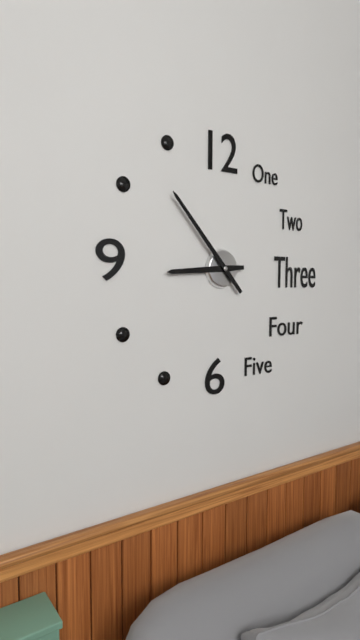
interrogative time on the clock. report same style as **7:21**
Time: **8:53**
